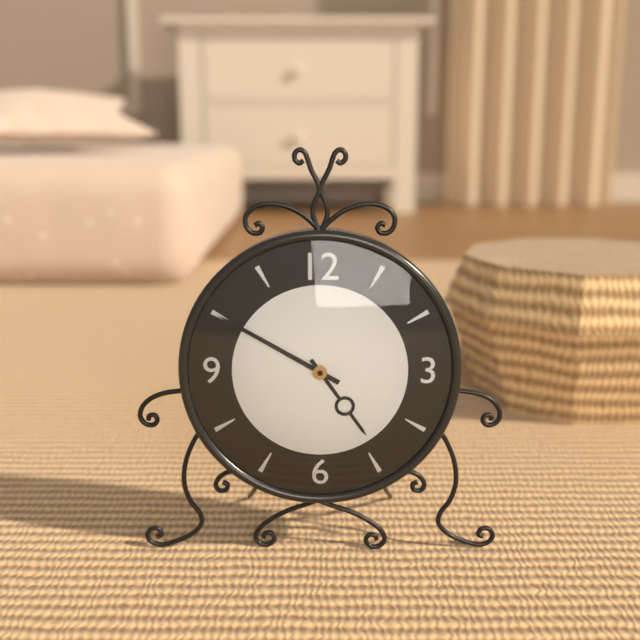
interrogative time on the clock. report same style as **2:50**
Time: **4:50**
